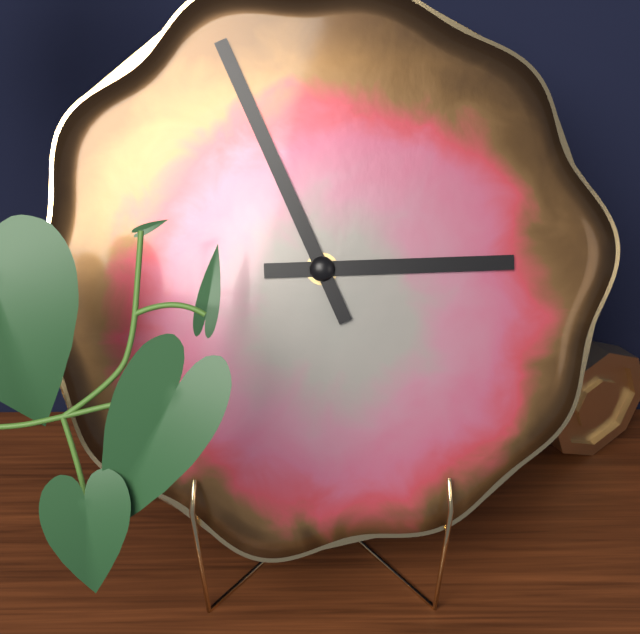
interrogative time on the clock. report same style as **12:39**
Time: **2:56**
